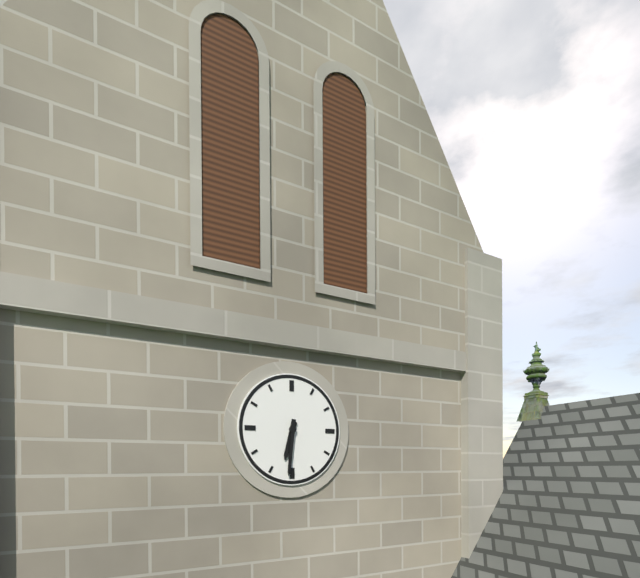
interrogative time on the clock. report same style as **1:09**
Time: **6:31**
